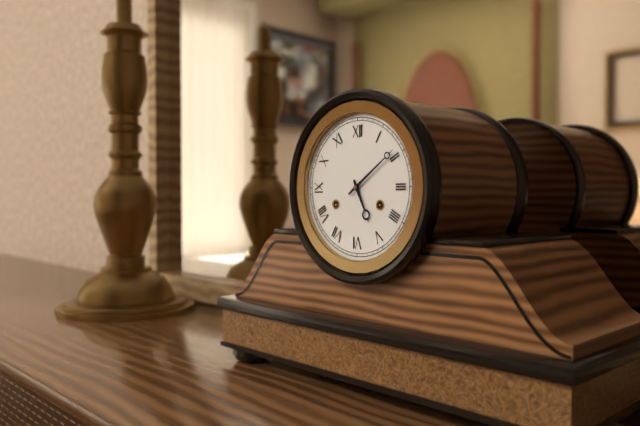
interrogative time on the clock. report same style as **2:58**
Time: **5:09**
